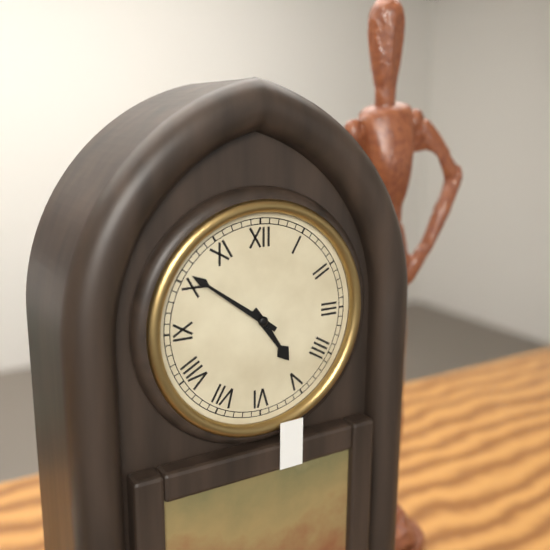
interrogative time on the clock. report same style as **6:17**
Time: **4:51**
